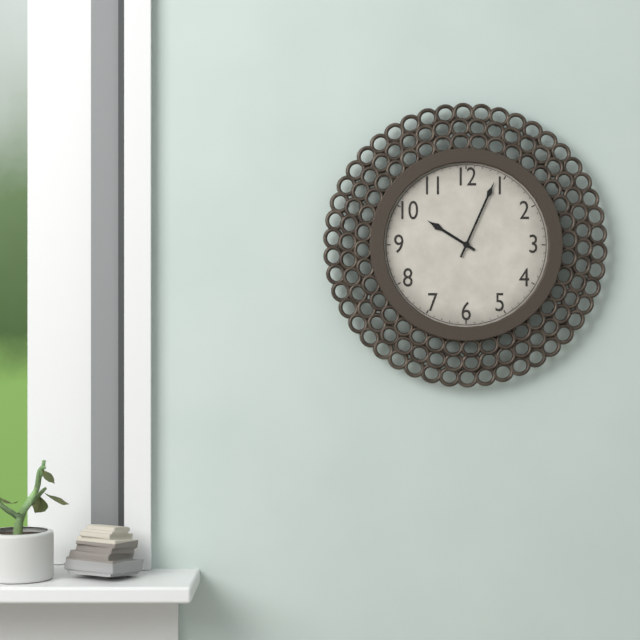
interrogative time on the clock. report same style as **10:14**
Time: **10:04**
